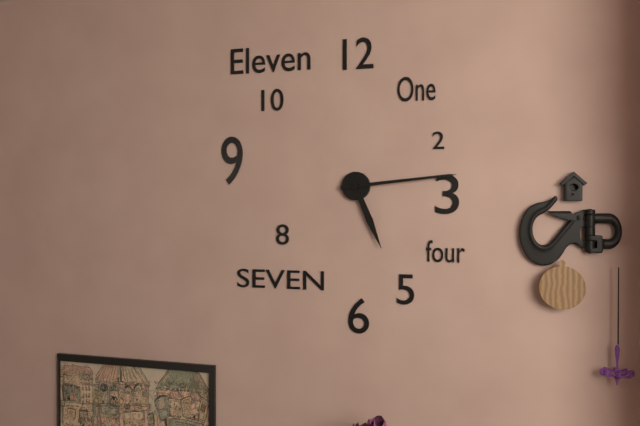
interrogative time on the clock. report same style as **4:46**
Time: **5:14**
